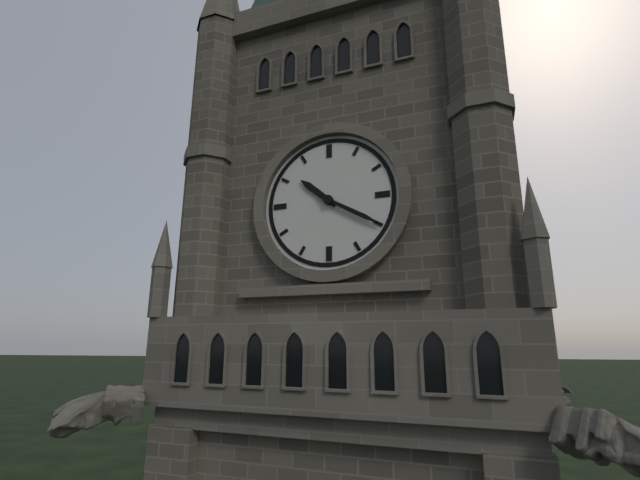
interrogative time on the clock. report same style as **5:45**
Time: **10:20**
